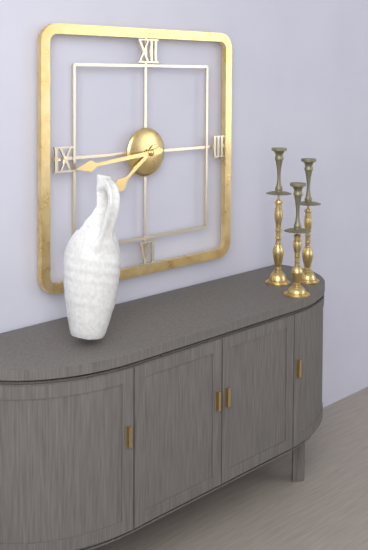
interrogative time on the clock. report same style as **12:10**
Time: **7:44**
